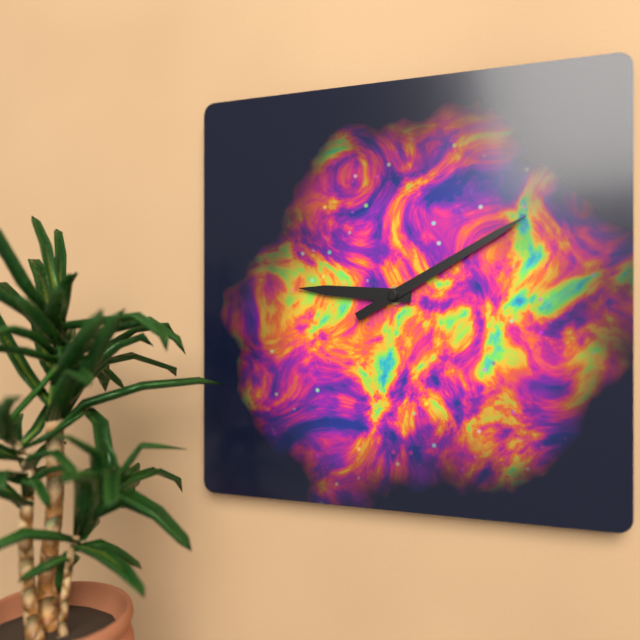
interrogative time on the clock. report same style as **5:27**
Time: **9:10**
